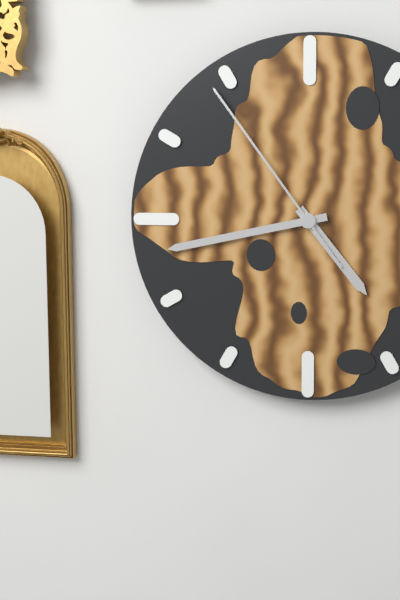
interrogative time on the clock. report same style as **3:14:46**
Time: **4:43:54**
